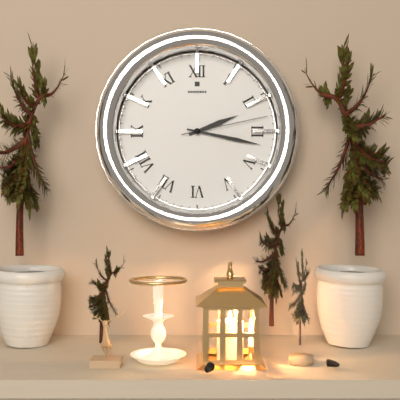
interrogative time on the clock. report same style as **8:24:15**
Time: **2:17:13**
